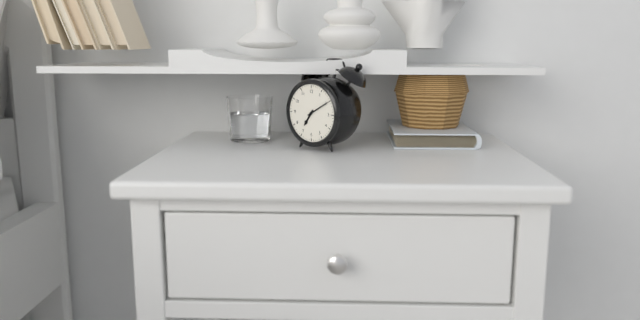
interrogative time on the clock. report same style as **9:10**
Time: **7:10**
